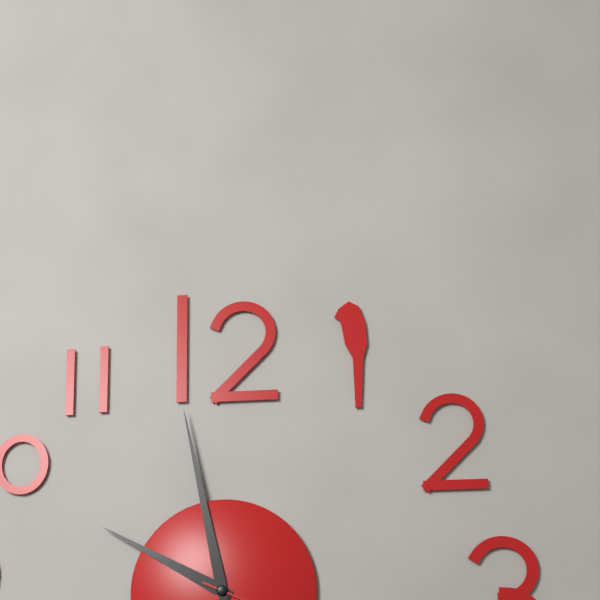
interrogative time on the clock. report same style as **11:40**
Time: **9:58**
